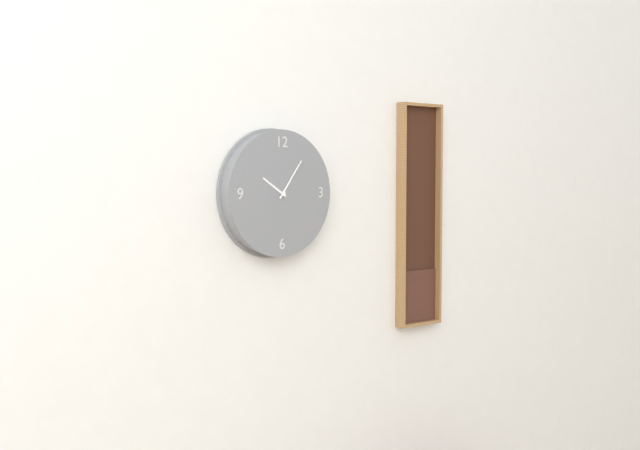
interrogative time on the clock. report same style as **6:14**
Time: **10:06**
